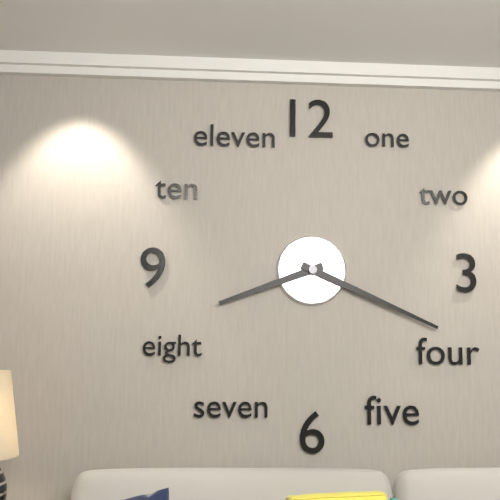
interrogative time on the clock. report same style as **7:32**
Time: **8:19**
